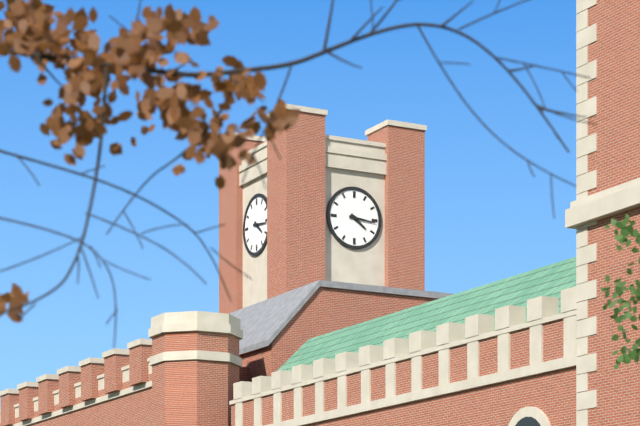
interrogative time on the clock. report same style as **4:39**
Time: **4:16**
